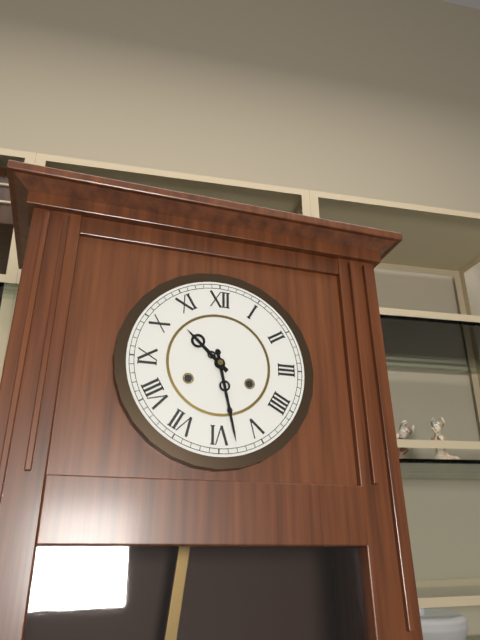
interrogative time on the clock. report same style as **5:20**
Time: **10:28**
